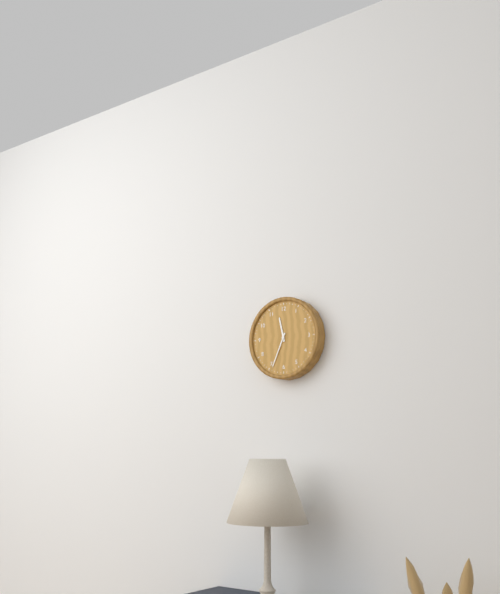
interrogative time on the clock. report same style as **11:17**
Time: **11:34**
